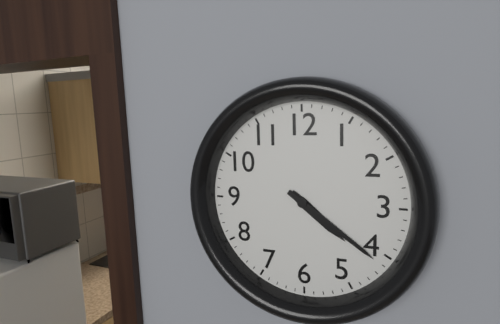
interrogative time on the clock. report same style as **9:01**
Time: **4:21**
